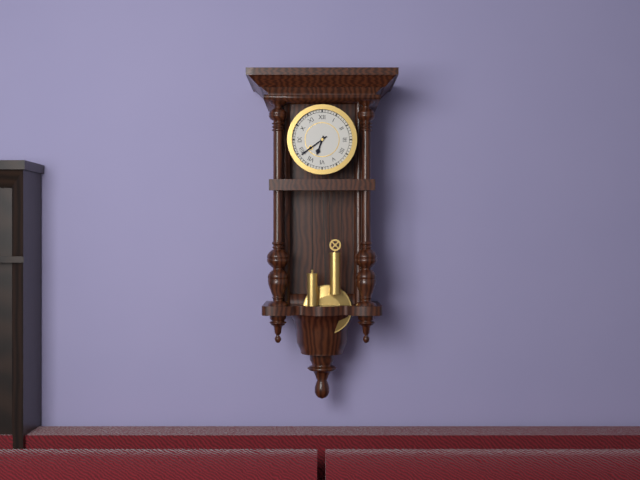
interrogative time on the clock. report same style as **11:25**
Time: **6:39**
